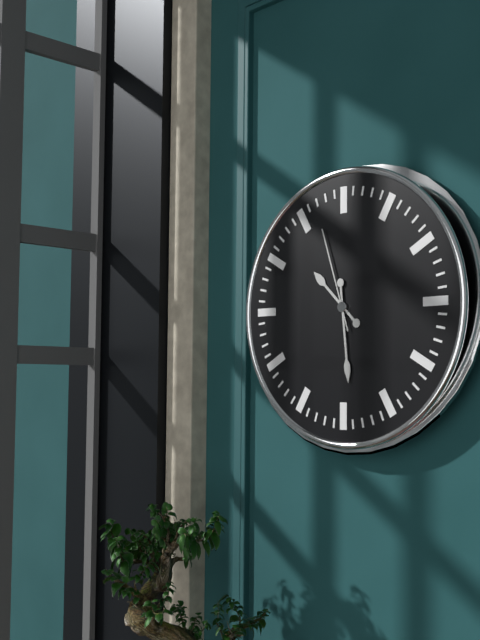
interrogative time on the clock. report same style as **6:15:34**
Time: **10:29:57**
